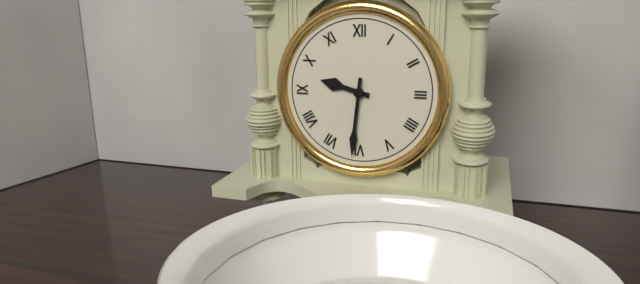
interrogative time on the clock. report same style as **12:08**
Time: **9:31**
